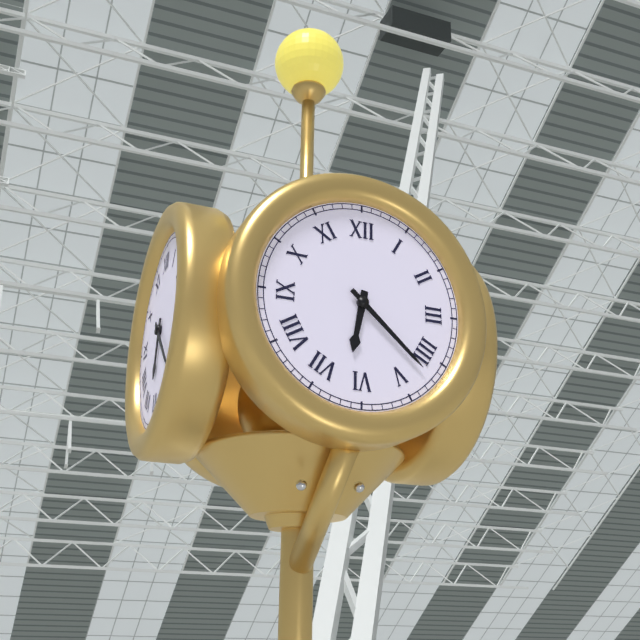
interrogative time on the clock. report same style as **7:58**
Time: **6:22**
